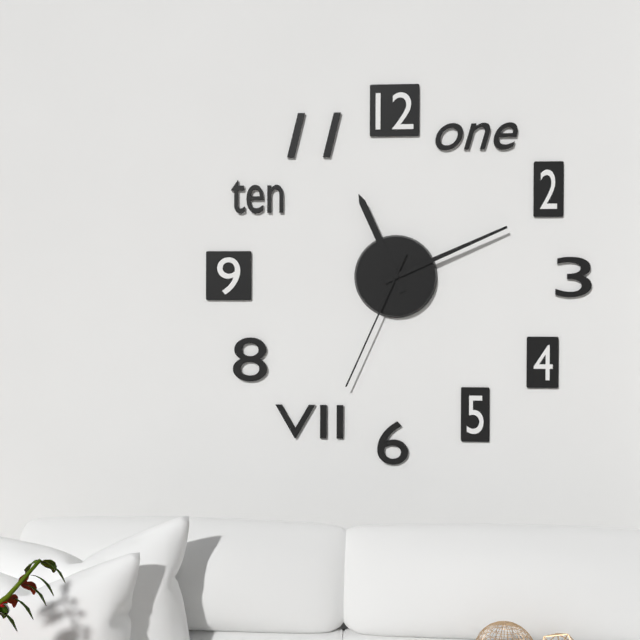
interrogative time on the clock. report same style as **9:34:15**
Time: **11:11:34**
